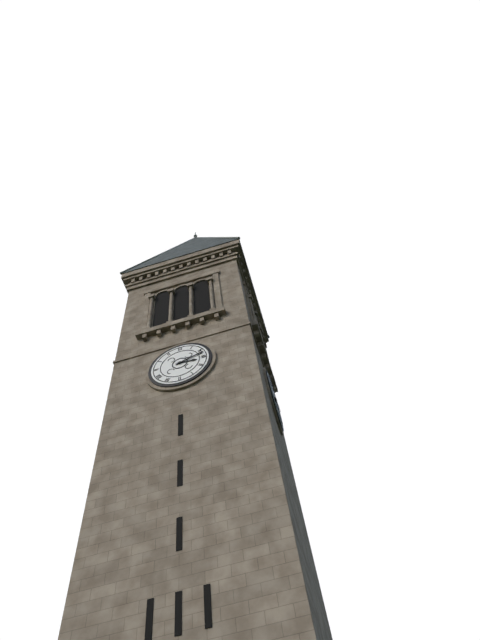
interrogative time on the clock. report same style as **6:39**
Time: **3:12**
